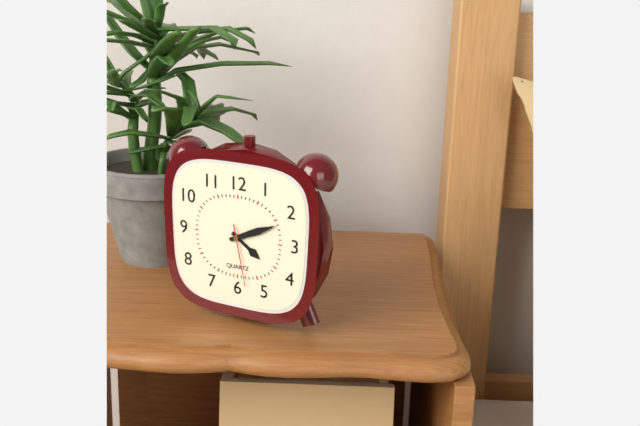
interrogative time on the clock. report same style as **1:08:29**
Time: **4:11:28**
